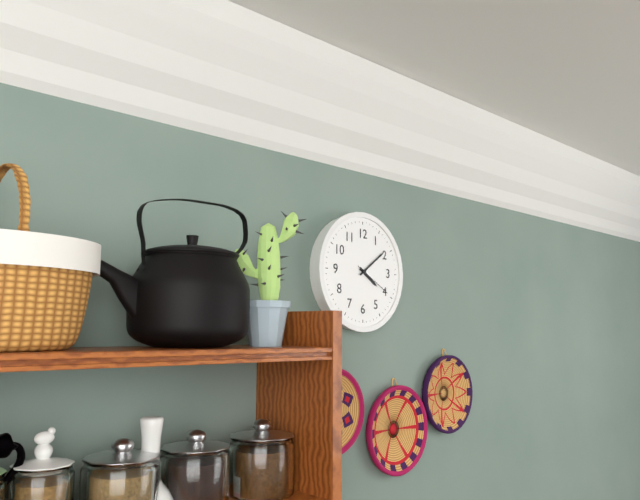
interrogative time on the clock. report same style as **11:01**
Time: **4:09**
